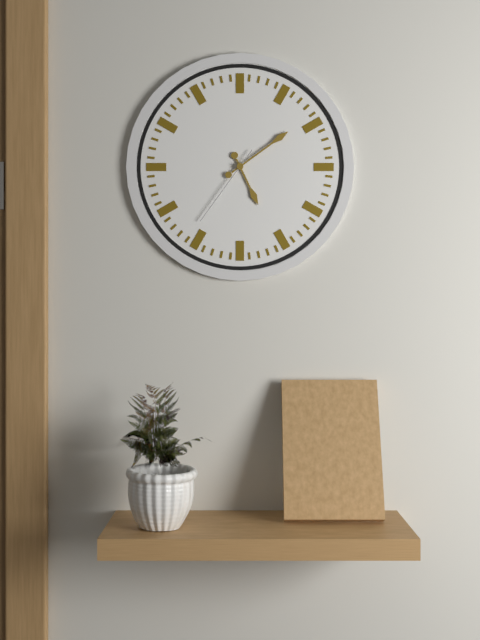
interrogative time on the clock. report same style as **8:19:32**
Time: **5:09:36**
